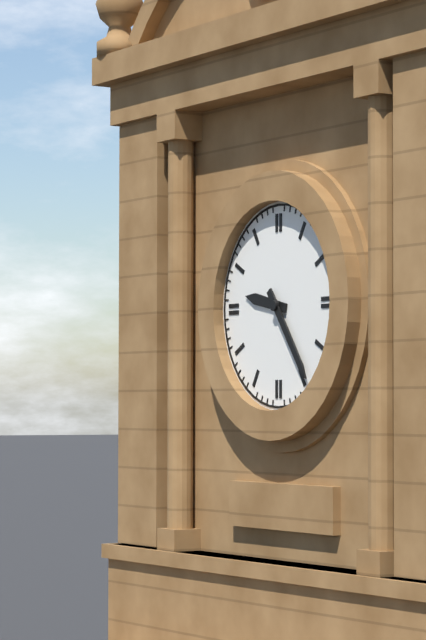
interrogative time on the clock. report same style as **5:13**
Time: **9:24**
